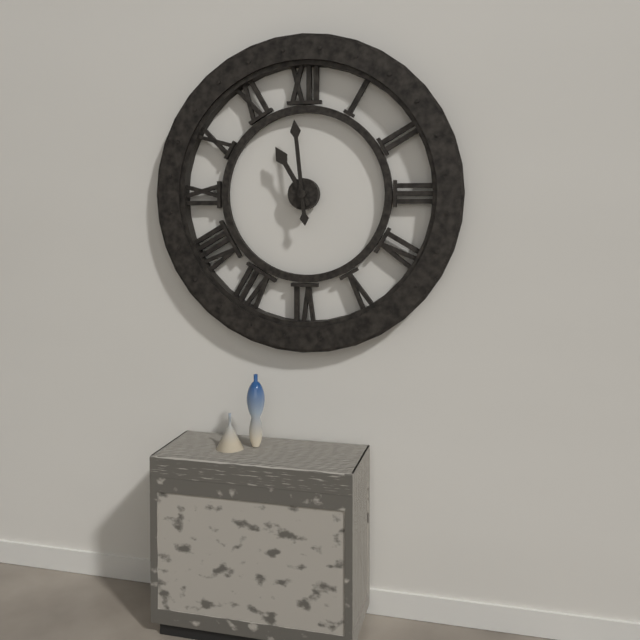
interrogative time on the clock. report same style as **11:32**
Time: **10:59**
